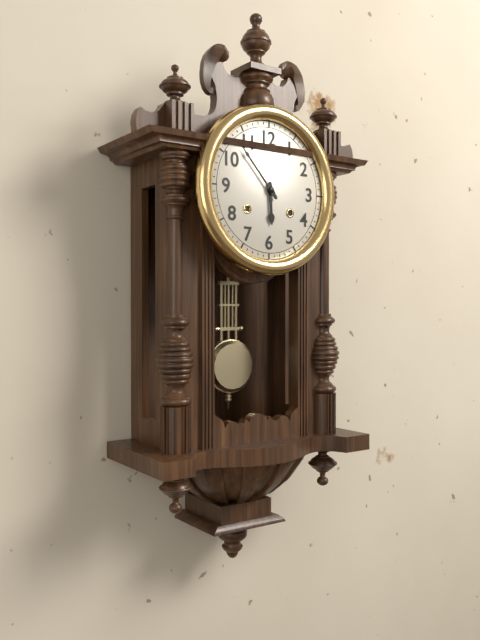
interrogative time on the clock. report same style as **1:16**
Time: **5:53**
